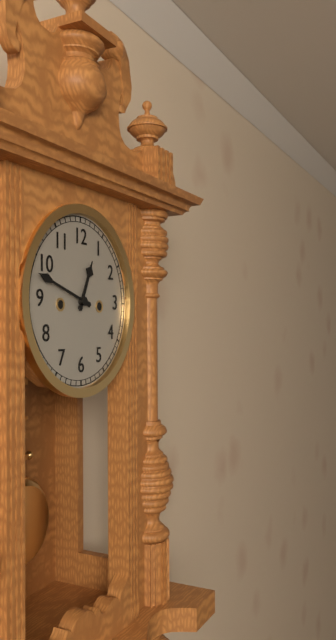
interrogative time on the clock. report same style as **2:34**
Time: **12:48**
